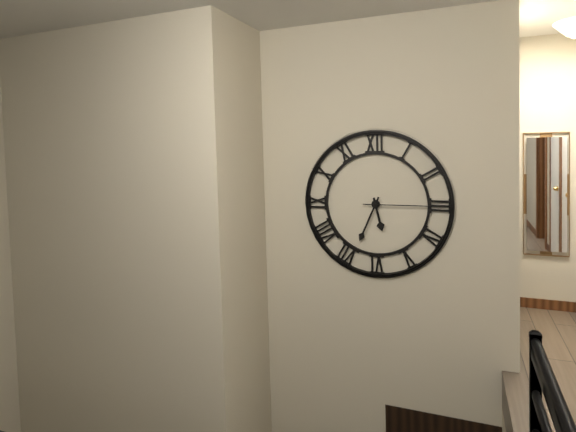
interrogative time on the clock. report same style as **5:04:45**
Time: **5:34:15**
